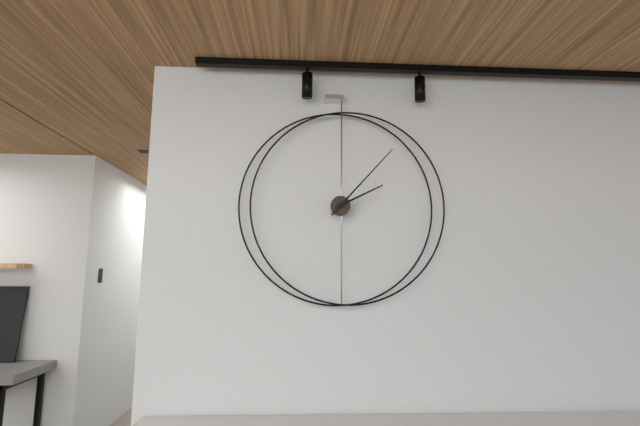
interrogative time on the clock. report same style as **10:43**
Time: **2:07**
